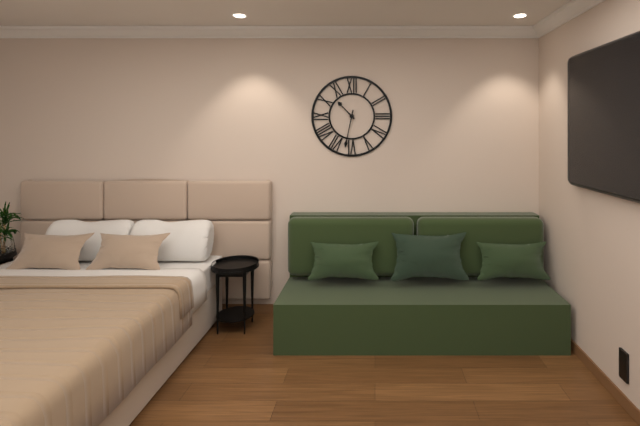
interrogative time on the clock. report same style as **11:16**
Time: **10:32**
